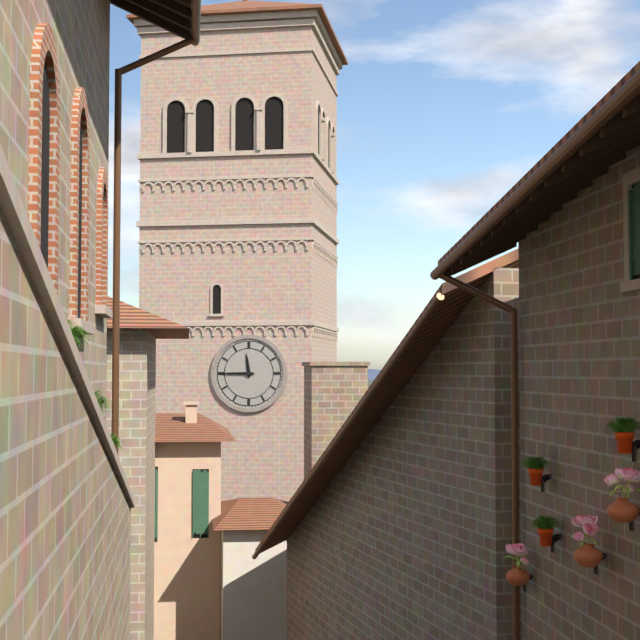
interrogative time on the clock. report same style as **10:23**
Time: **11:45**
